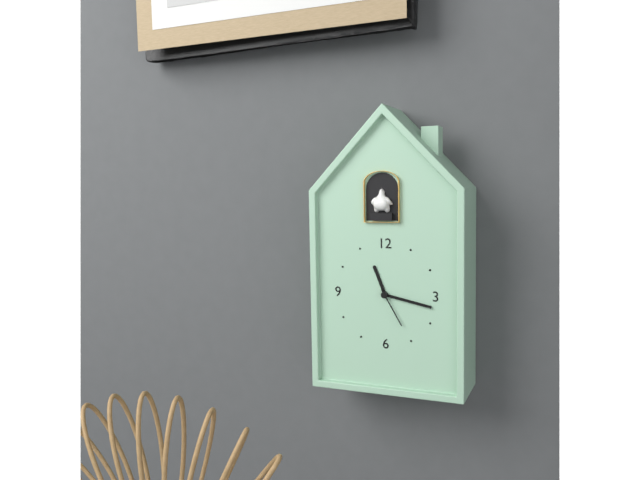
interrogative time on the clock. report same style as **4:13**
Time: **11:17**
